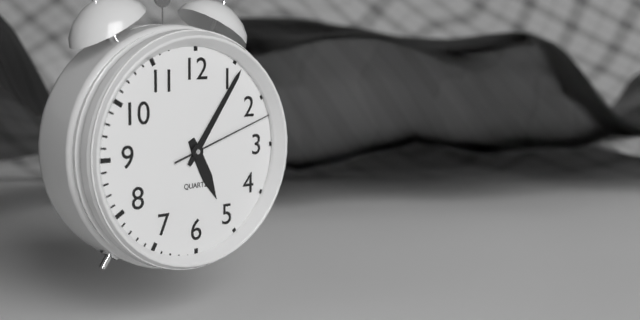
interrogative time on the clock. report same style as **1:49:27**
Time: **5:06:12**
